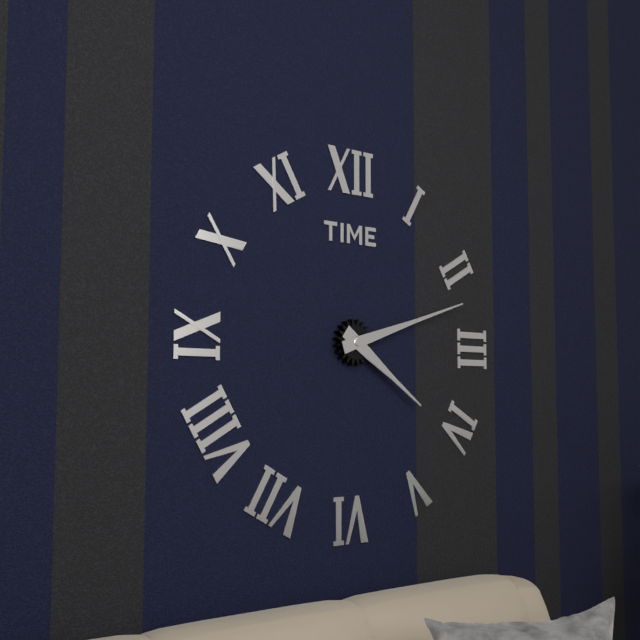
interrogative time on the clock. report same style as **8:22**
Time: **4:12**
